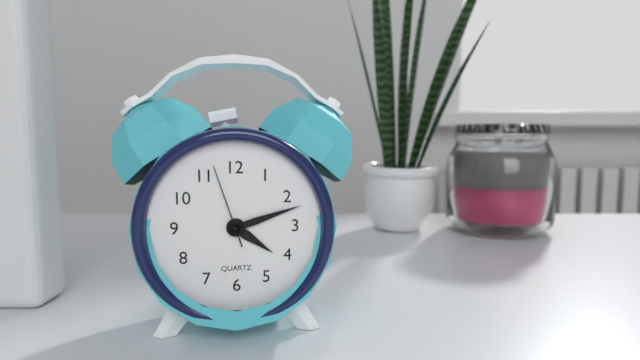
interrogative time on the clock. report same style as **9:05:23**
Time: **4:12:57**
